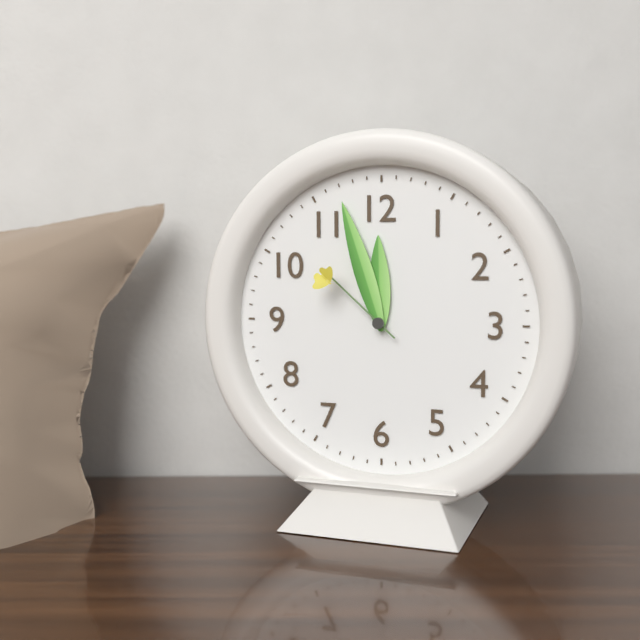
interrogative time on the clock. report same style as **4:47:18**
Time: **11:57:52**
